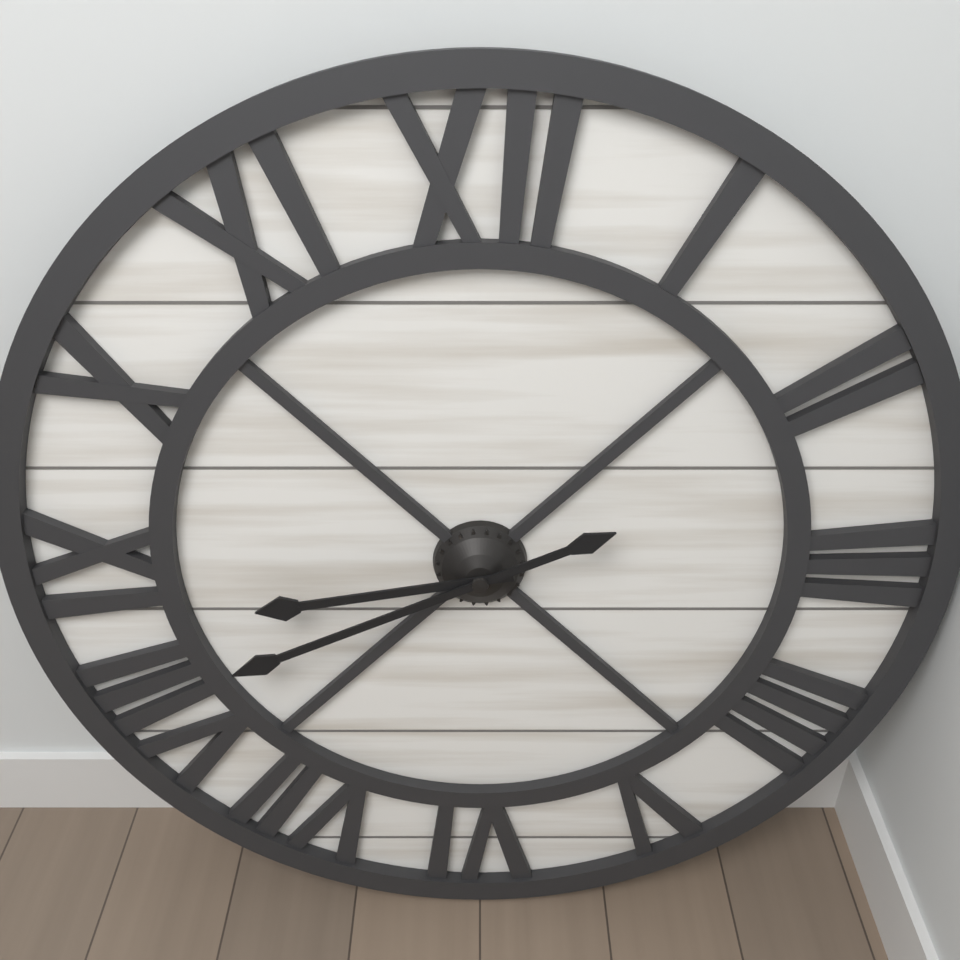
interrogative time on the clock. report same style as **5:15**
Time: **8:41**
